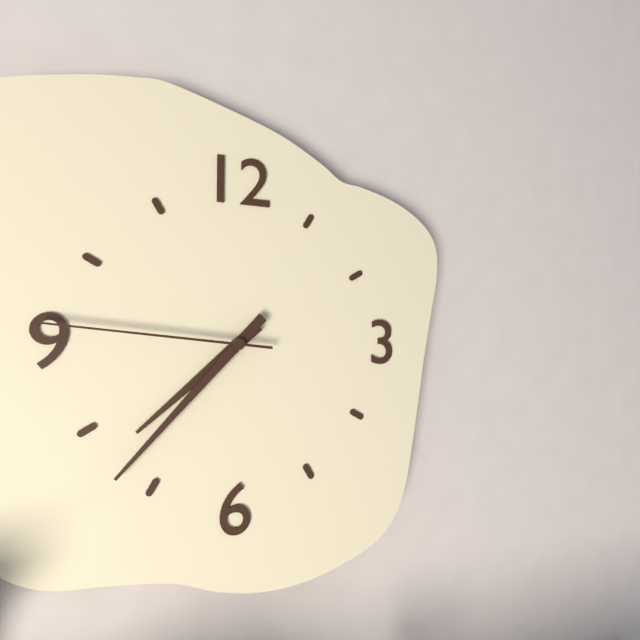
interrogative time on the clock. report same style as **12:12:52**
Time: **7:37:46**
